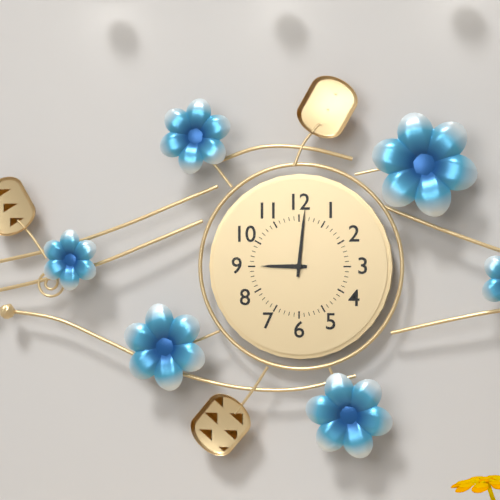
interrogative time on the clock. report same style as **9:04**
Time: **9:01**
